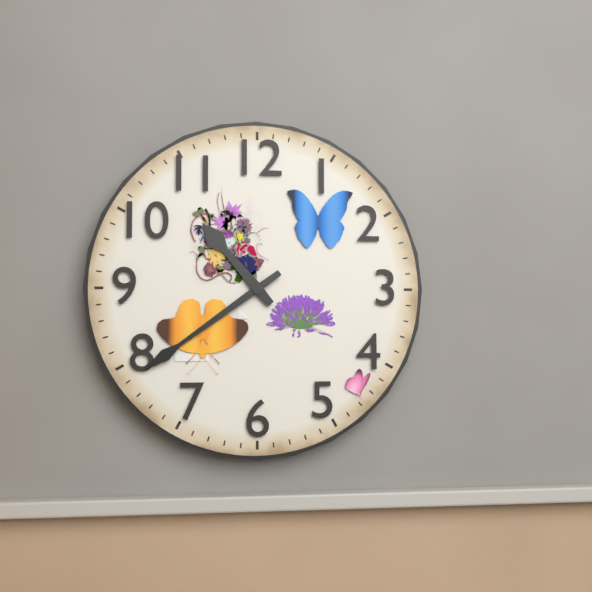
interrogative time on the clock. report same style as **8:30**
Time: **10:39**
